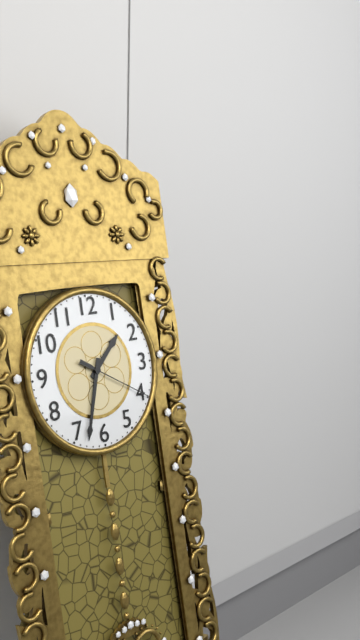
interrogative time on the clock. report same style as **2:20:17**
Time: **1:33:20**
